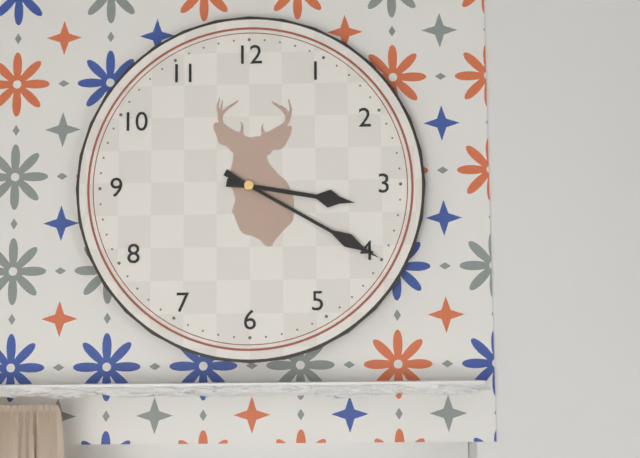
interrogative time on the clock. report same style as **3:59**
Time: **3:20**
